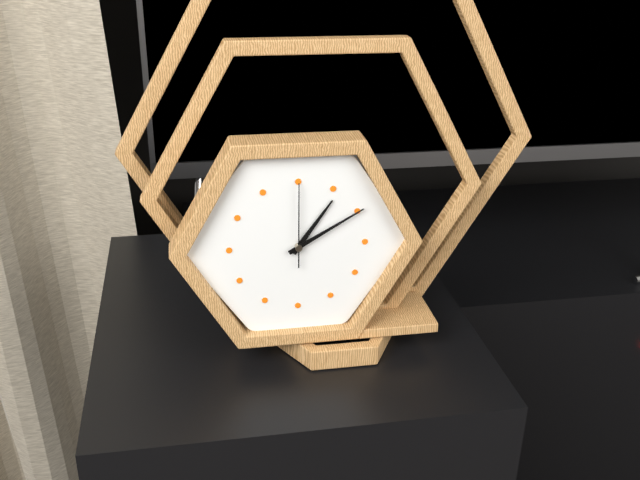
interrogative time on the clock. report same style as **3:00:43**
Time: **1:10:00**
